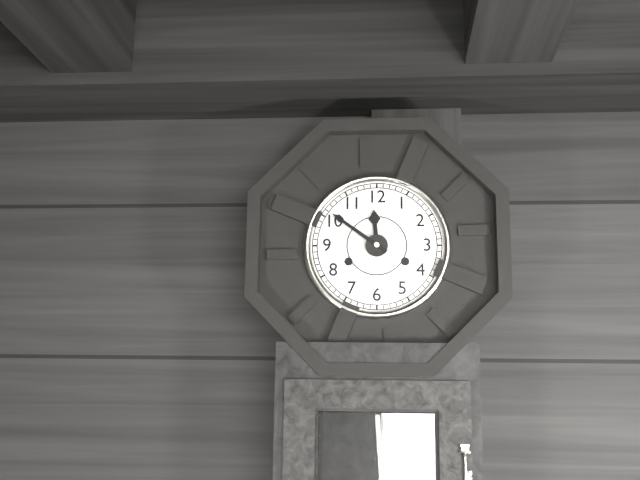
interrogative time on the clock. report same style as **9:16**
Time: **11:51**
